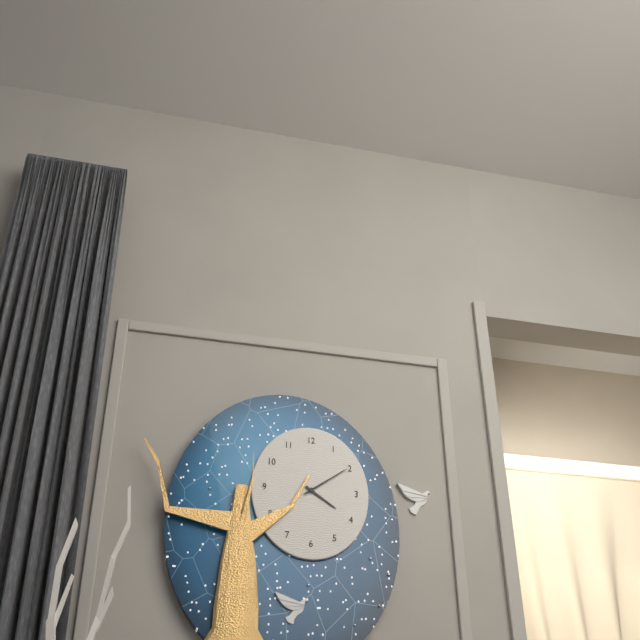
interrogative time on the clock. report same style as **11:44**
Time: **4:09**
